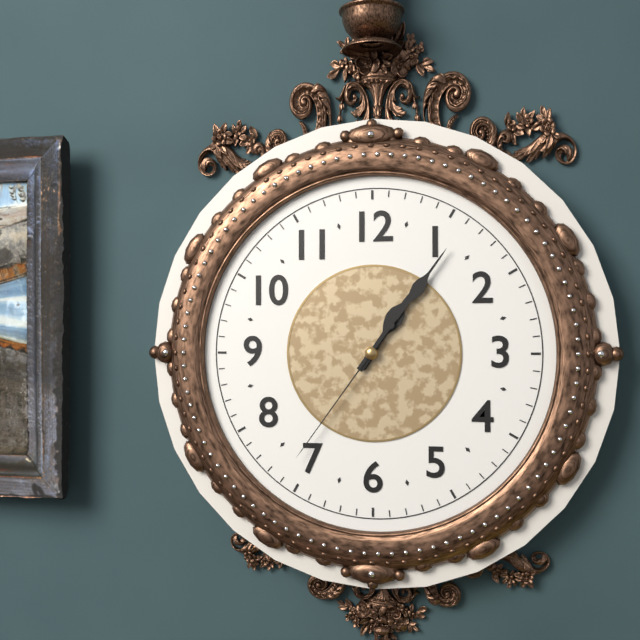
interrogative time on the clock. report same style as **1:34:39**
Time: **1:06:36**
